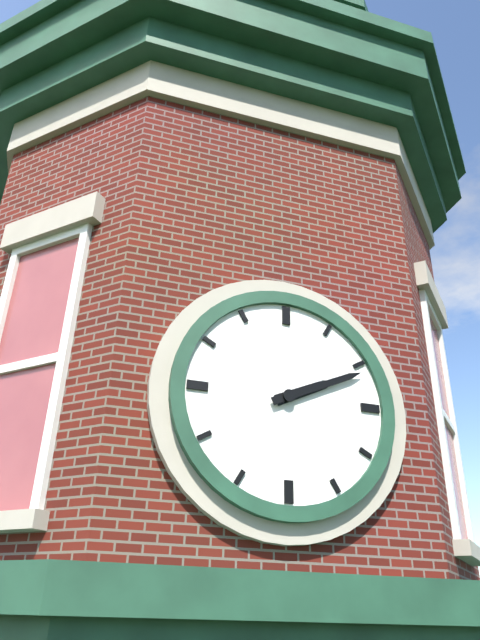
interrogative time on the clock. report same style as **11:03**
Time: **2:11**
